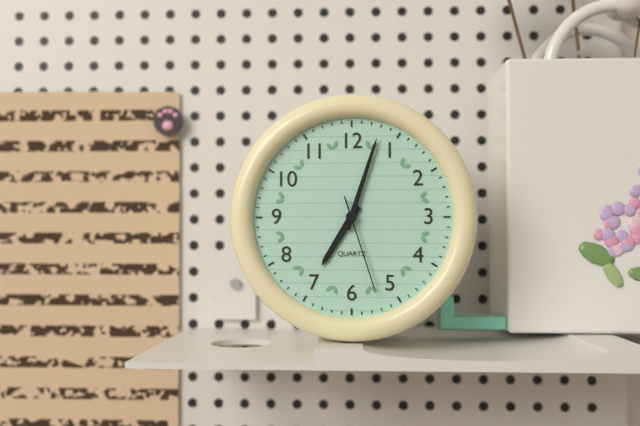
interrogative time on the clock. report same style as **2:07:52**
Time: **7:03:27**
